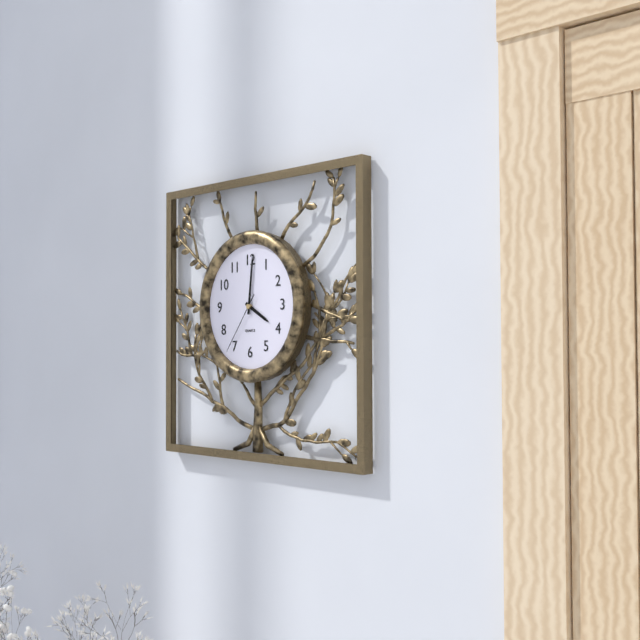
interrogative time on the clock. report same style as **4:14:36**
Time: **4:01:36**
